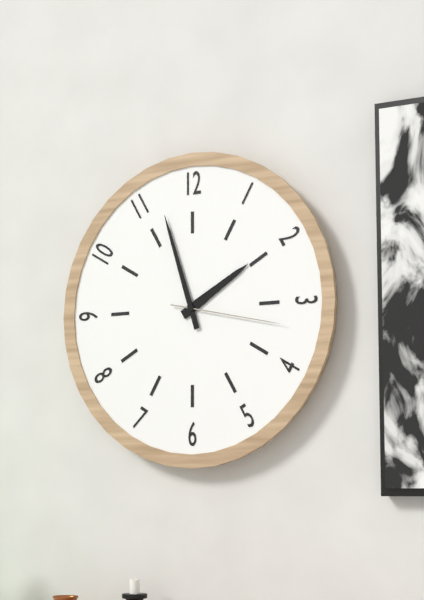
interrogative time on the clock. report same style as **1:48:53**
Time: **1:57:17**
